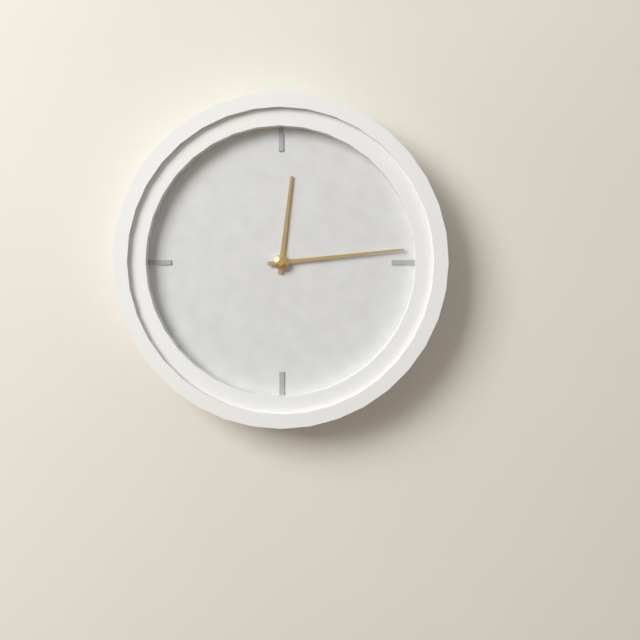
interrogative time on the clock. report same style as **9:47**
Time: **12:14**
